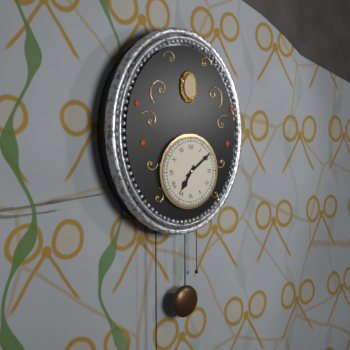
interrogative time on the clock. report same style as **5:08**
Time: **7:09**
